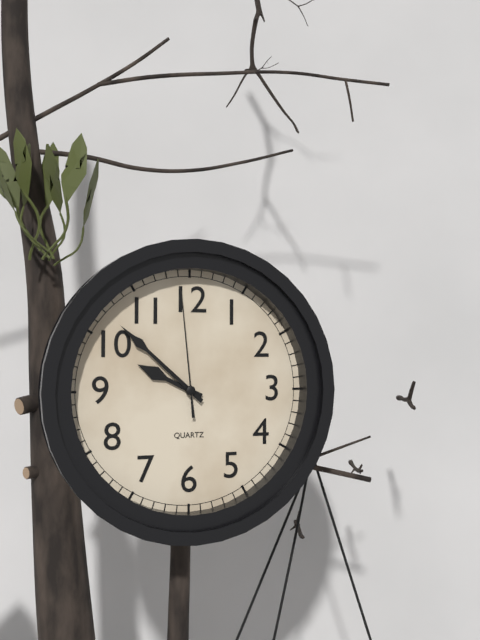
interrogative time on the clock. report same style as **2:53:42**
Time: **9:52:59**
